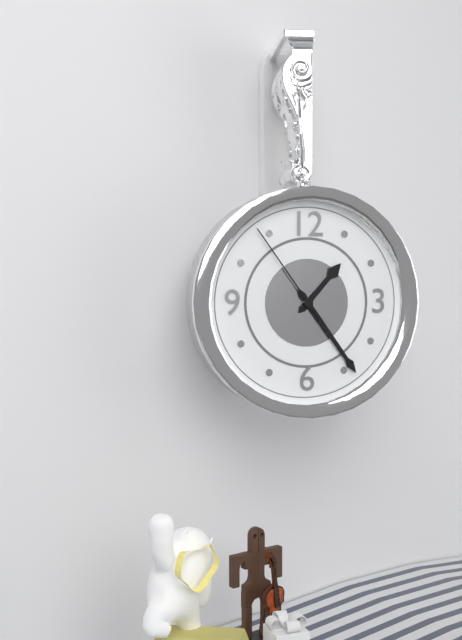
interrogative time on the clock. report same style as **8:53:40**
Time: **1:24:54**
